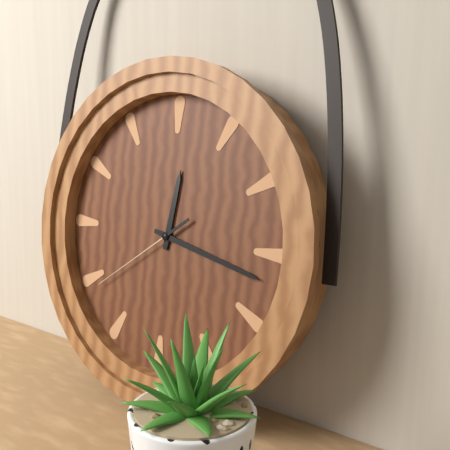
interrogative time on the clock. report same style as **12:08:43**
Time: **12:17:39**
